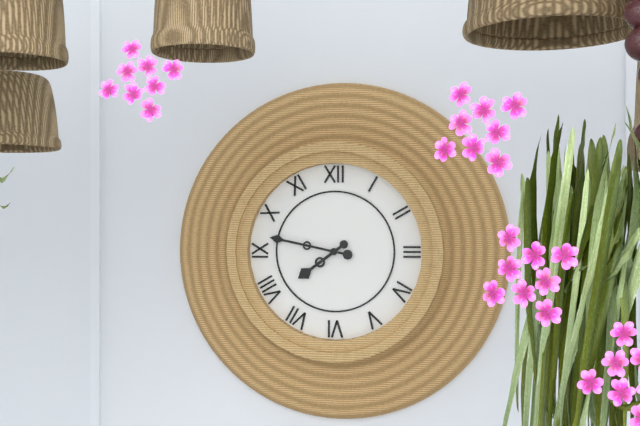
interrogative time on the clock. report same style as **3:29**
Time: **7:47**
